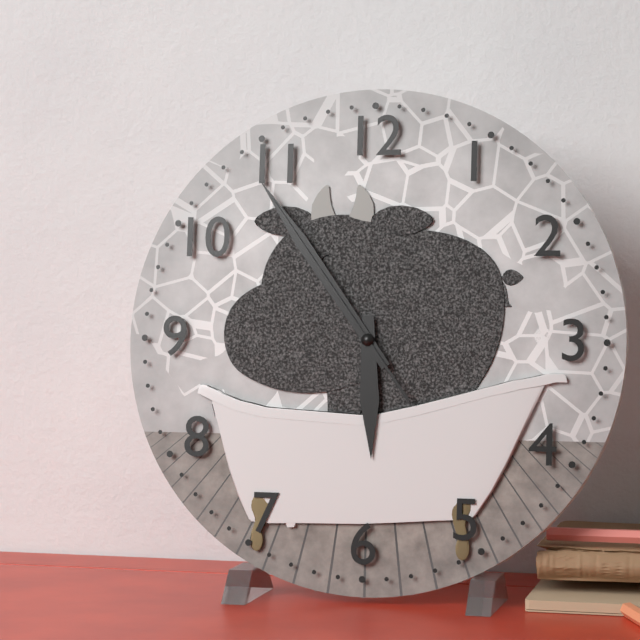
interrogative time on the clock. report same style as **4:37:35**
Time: **5:54:54**
